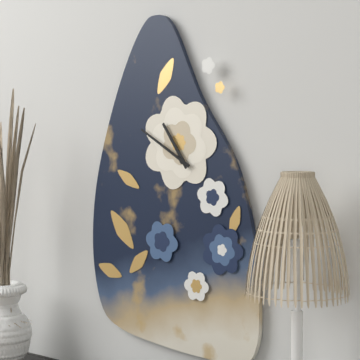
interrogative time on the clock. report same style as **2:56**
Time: **10:50**
